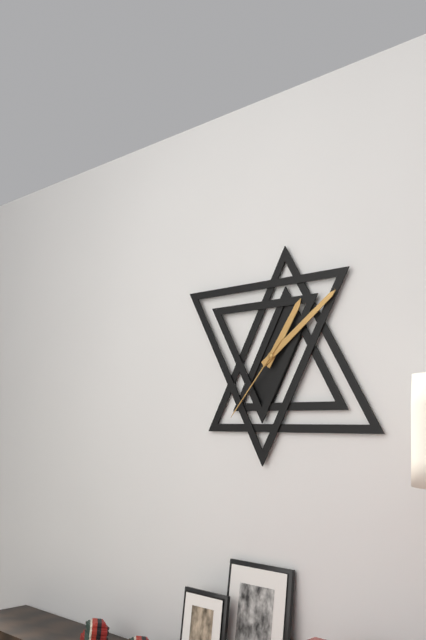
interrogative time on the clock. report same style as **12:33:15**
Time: **1:09:37**
